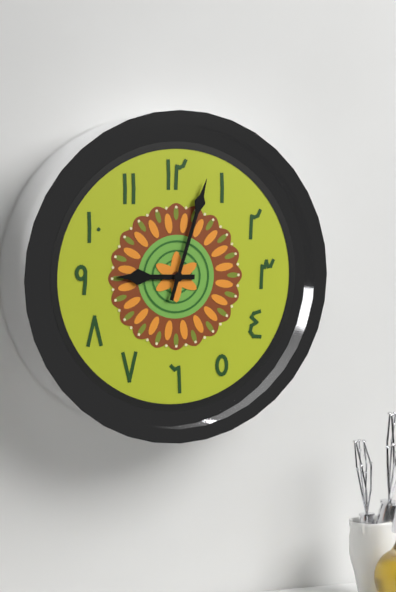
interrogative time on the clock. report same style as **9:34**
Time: **9:03**
